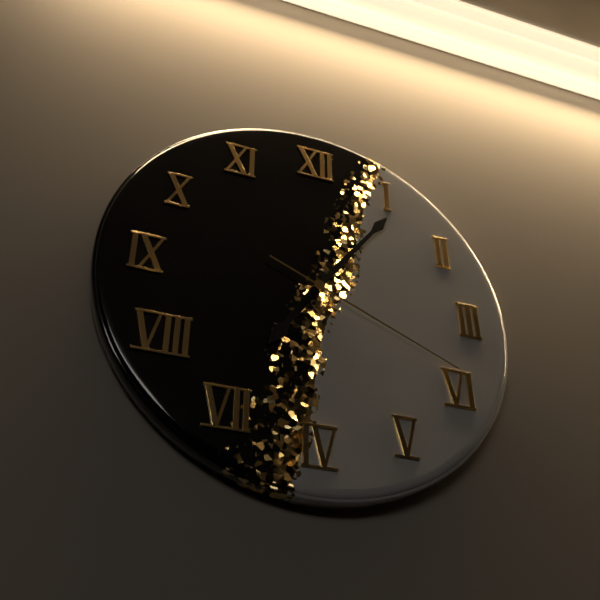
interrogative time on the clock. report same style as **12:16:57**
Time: **7:06:19**
